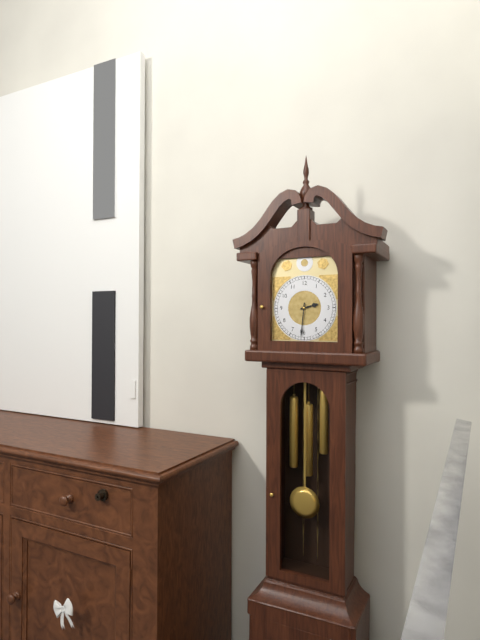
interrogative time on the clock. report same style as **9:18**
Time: **2:31**
